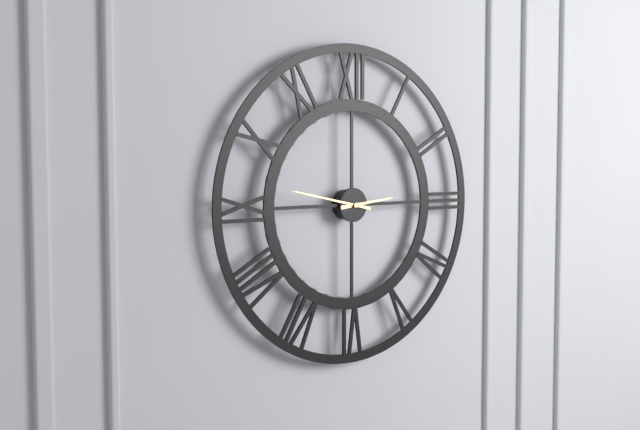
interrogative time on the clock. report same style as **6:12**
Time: **2:47**
